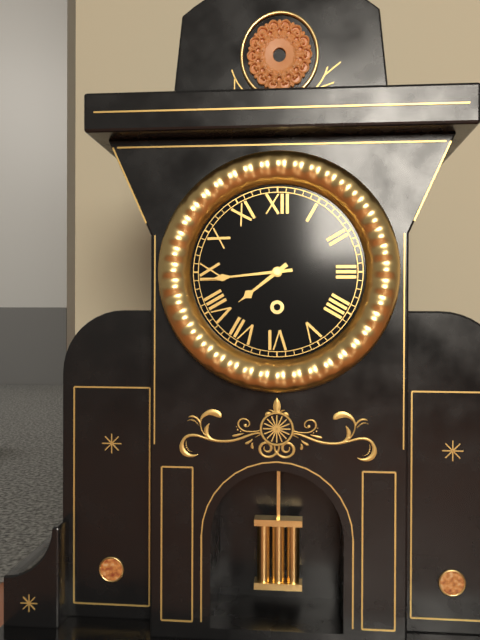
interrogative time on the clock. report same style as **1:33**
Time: **7:44**
